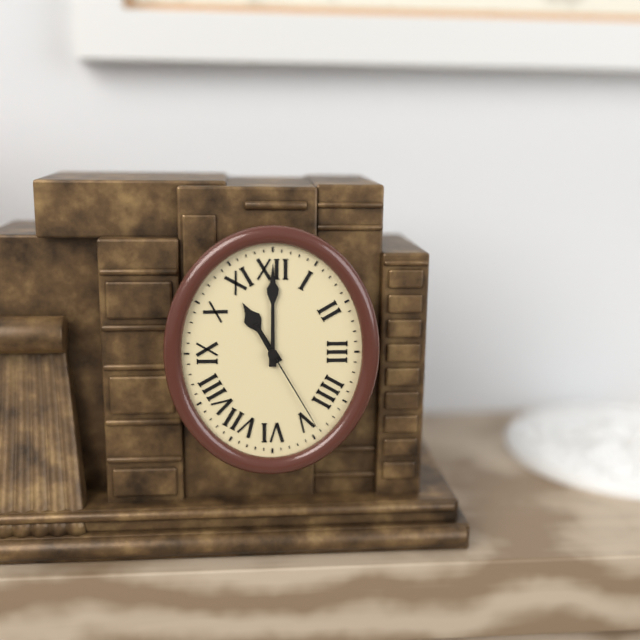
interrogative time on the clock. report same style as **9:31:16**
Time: **11:00:25**
